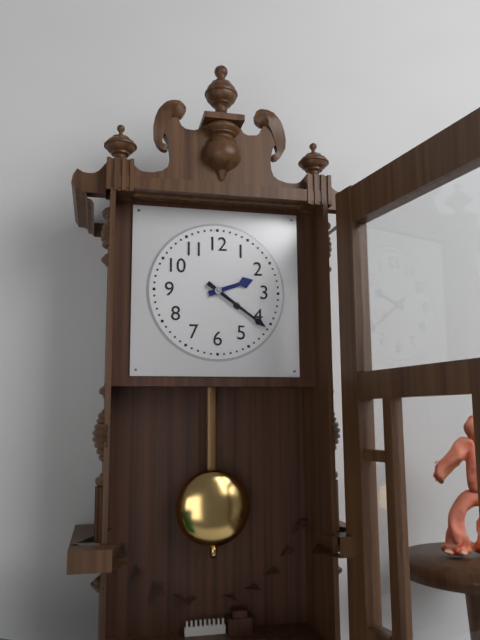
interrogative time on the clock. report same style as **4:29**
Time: **2:21**
